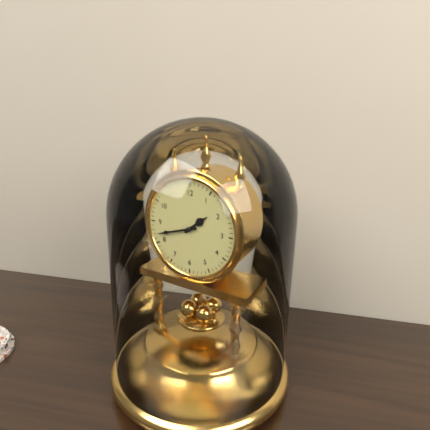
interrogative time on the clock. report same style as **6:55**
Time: **1:42**
